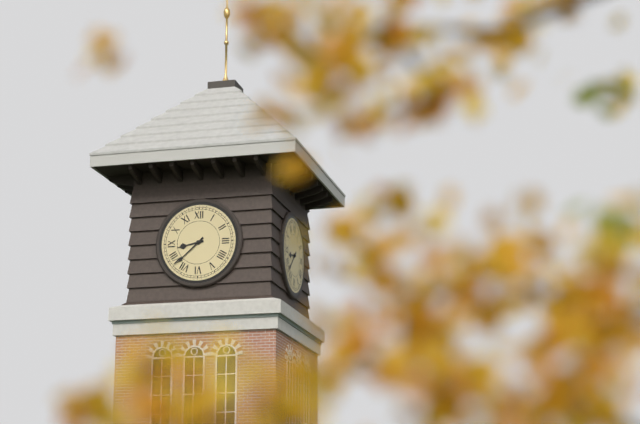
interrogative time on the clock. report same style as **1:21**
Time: **8:38**
